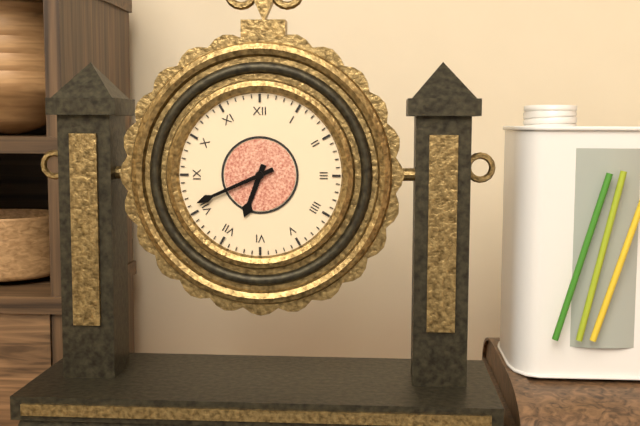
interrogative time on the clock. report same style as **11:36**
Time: **6:41**
